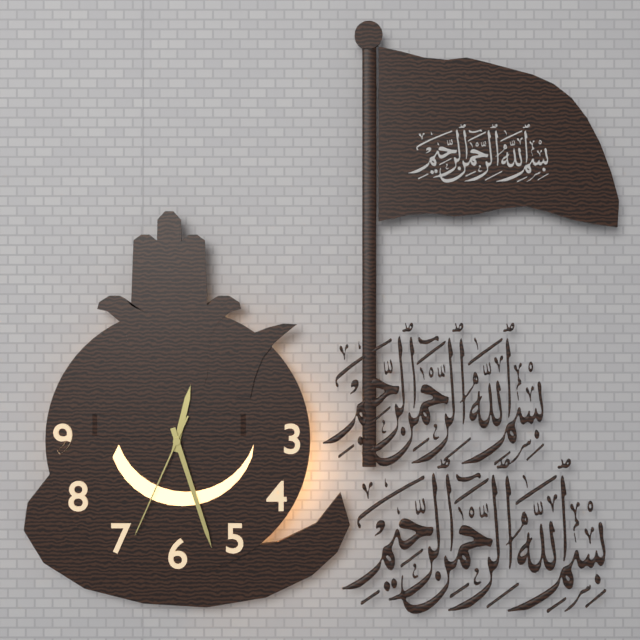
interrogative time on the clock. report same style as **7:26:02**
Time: **12:27:34**
